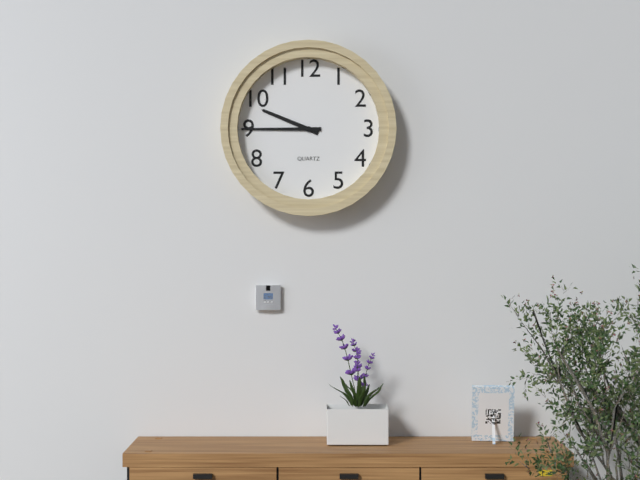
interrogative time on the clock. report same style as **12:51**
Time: **9:45**
